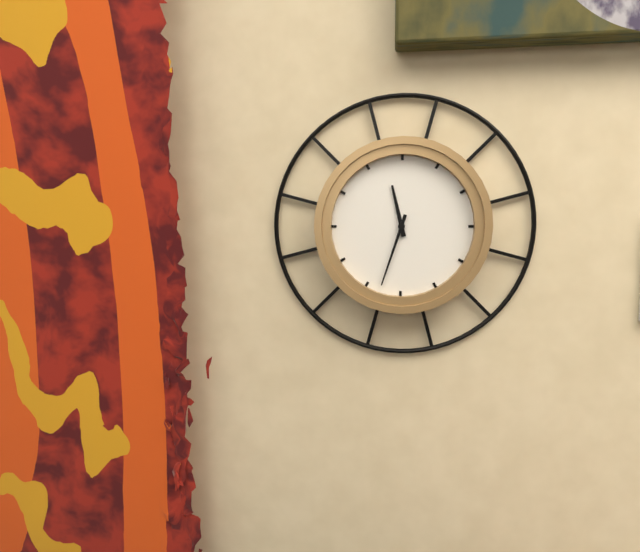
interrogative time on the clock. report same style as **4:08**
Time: **11:33**
